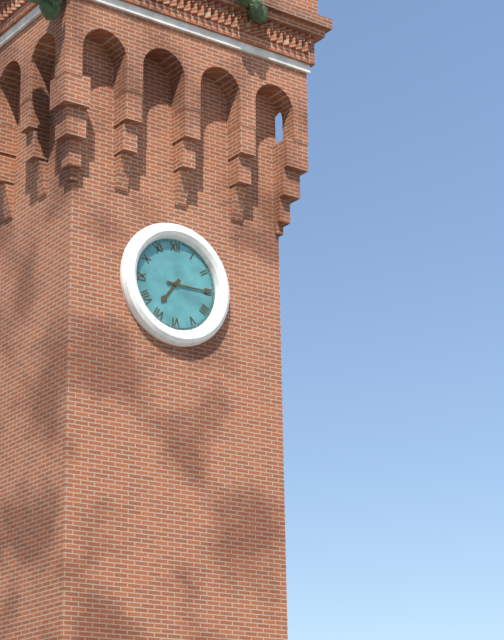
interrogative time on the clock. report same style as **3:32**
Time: **7:15**
